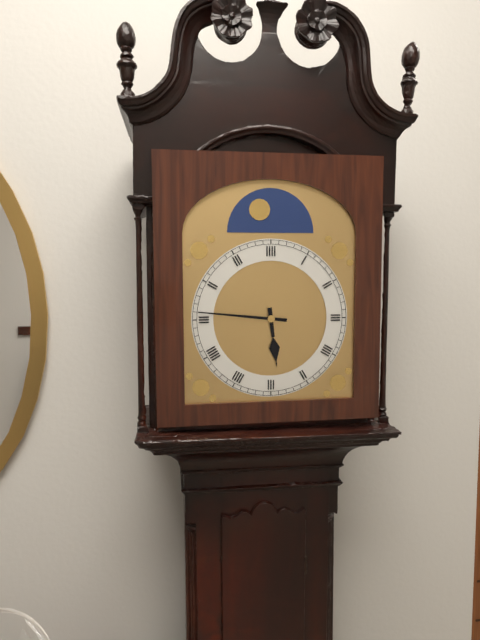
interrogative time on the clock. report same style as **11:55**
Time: **5:46**
